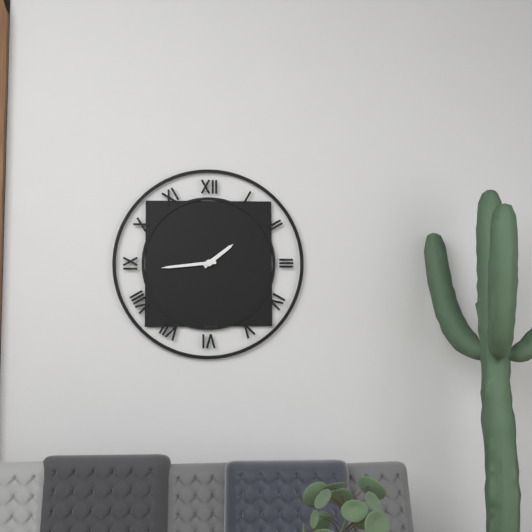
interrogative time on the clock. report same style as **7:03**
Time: **1:44**
